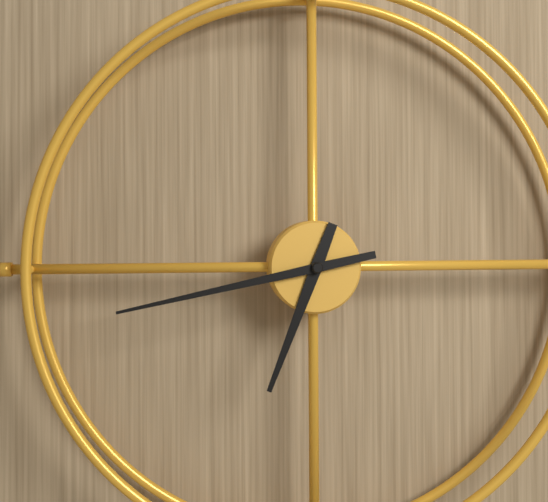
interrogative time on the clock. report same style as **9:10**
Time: **6:43**
